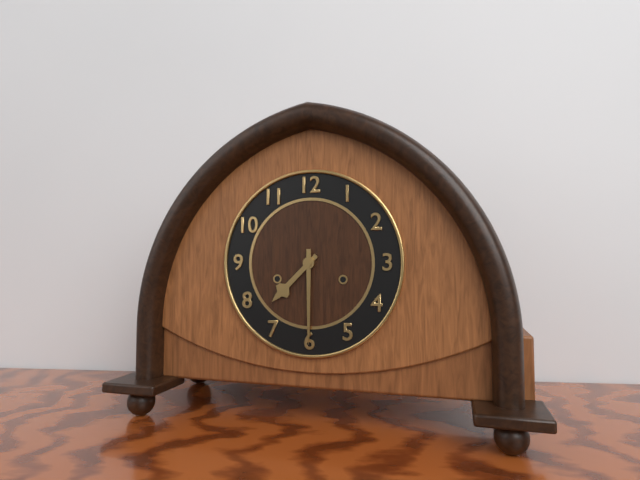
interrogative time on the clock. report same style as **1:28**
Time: **7:30**
